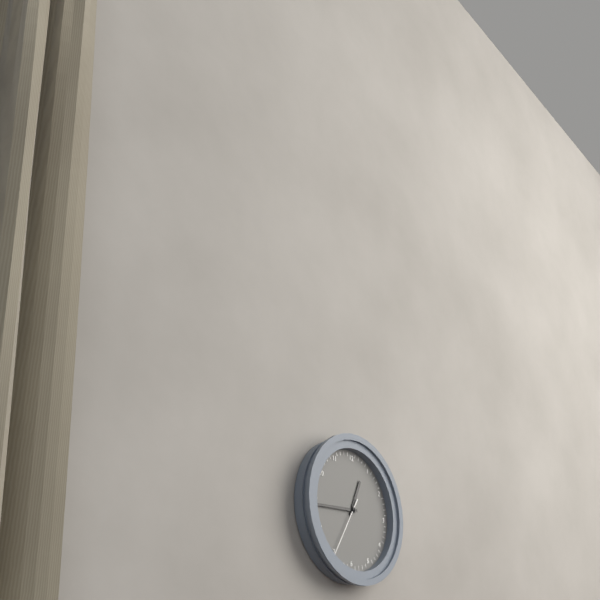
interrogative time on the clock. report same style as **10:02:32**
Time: **12:44:35**
